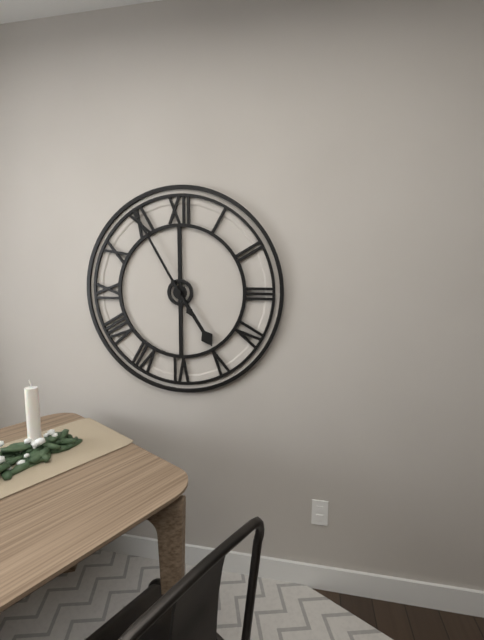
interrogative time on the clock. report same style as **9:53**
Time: **4:55**
